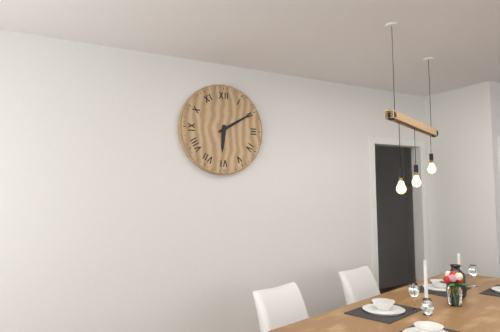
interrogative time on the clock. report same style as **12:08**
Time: **6:10**
